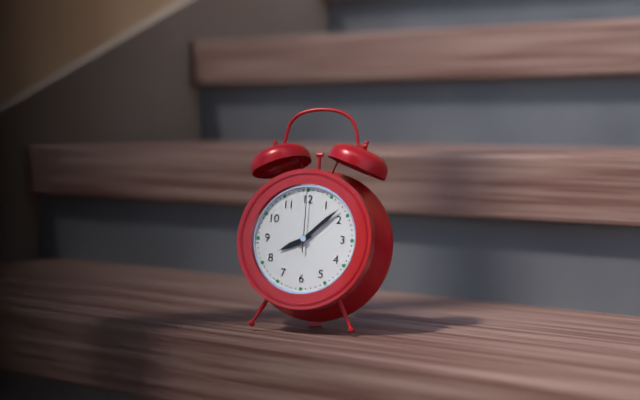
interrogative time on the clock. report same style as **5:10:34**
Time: **8:08:00**
